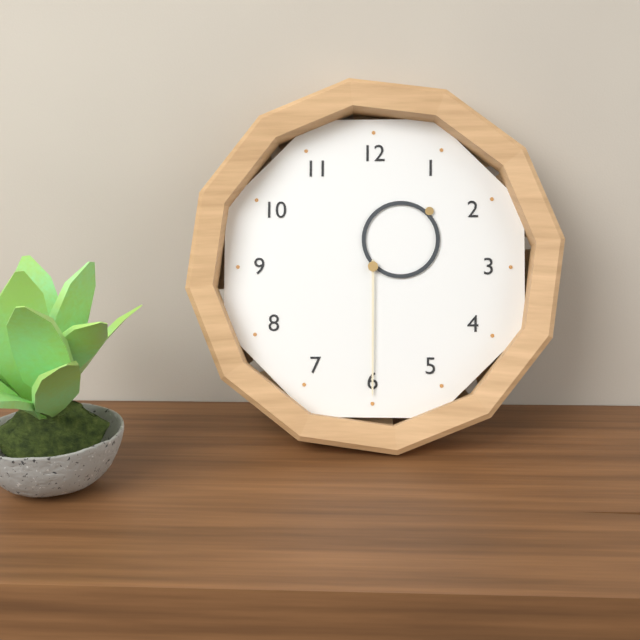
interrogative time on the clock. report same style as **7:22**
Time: **1:30**
